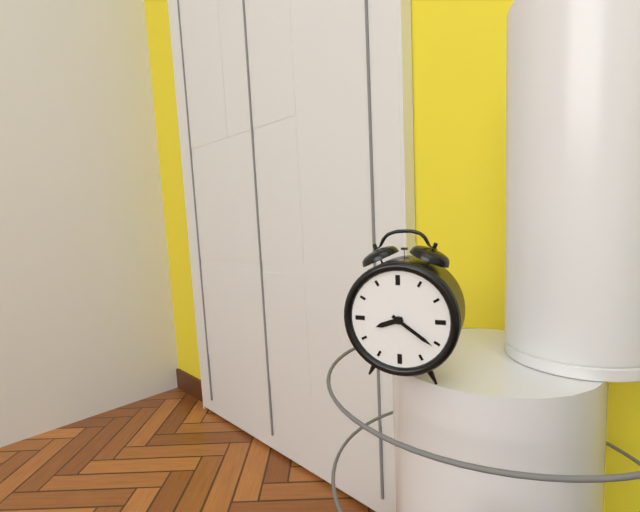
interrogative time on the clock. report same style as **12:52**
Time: **8:21**
